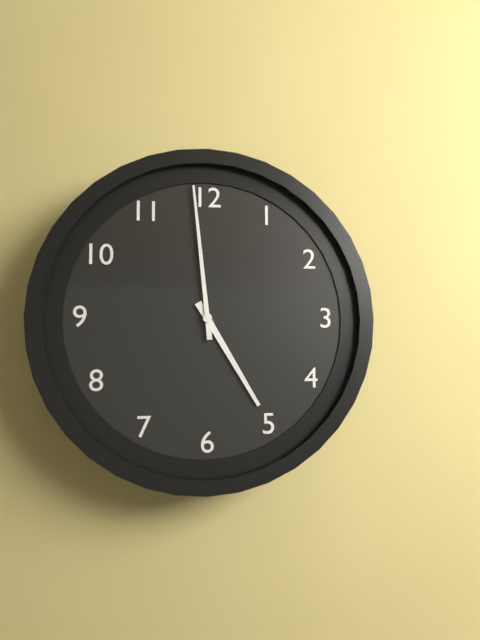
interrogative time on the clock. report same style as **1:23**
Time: **4:59**
